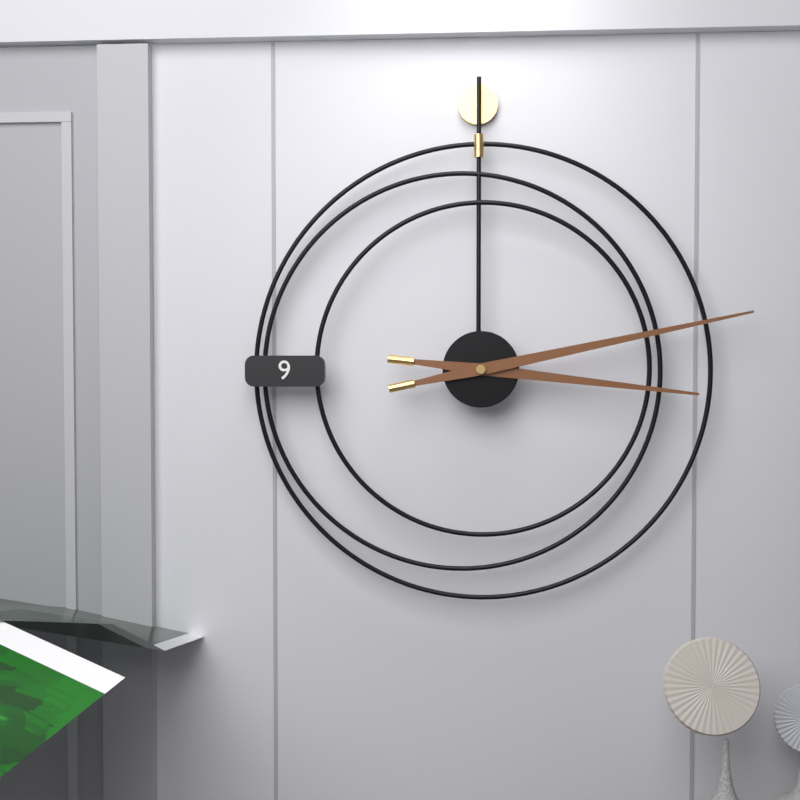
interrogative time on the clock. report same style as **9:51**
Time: **3:13**
